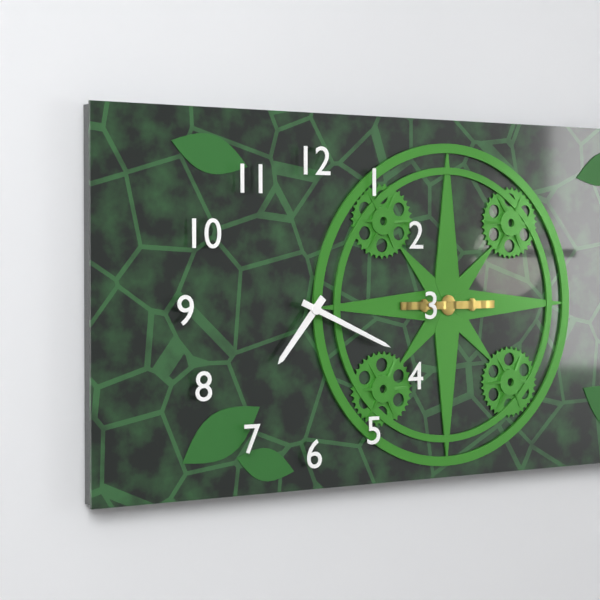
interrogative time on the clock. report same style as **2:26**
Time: **7:19**
